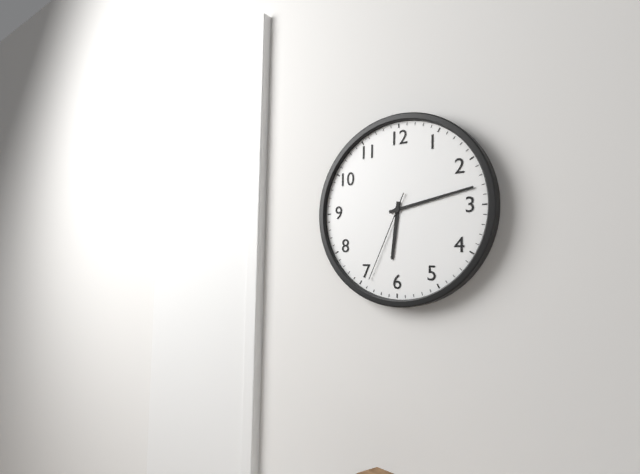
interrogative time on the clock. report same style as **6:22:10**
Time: **6:13:34**
